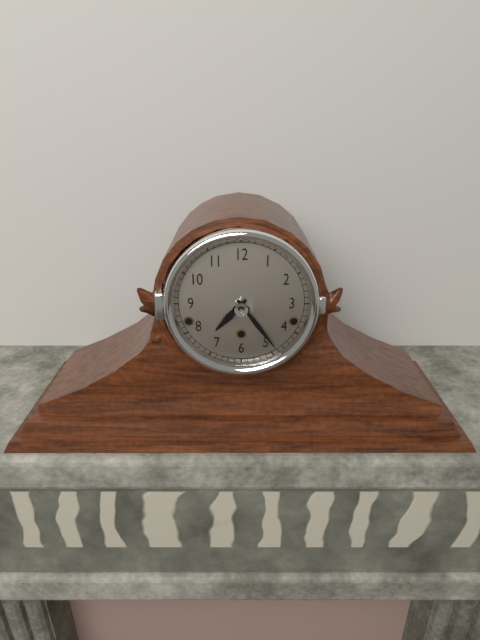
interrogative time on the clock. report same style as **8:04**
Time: **7:24**
